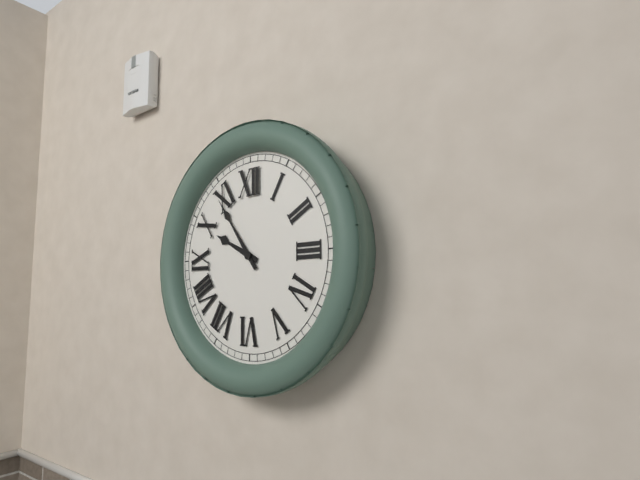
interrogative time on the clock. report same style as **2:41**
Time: **9:54**
